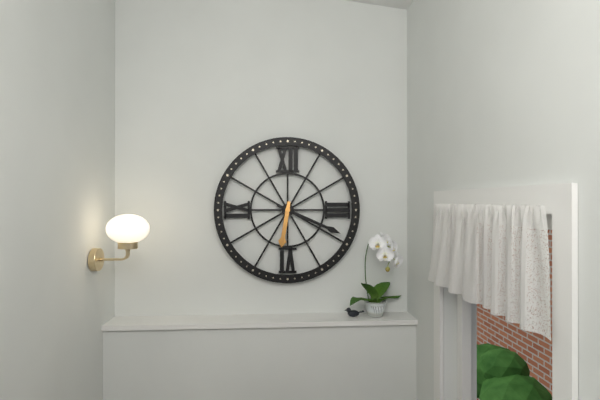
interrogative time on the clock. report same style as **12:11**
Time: **6:19**
